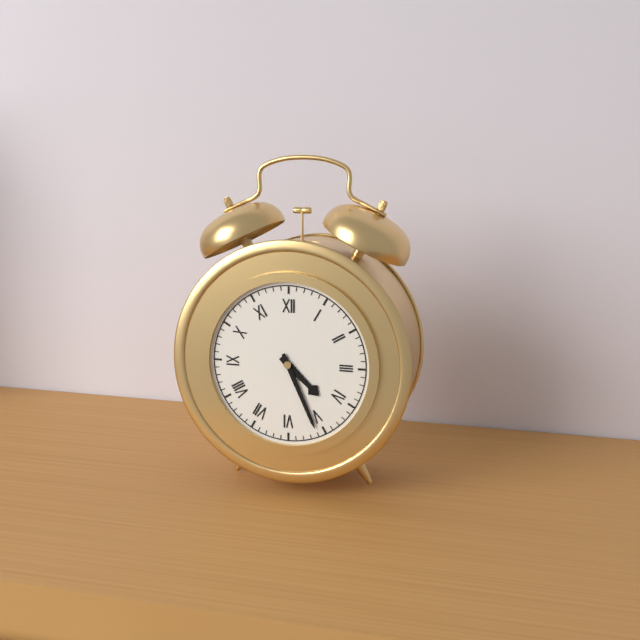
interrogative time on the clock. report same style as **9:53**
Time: **4:26**
